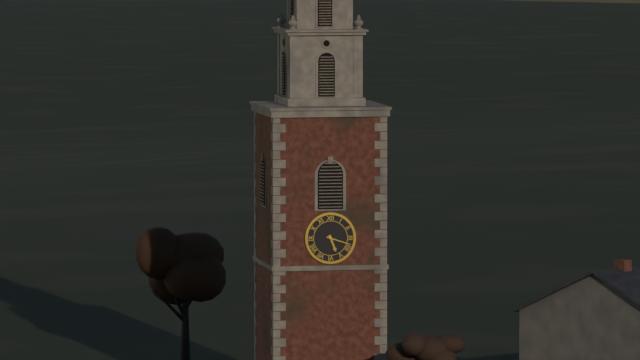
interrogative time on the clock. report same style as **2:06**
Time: **5:18**
